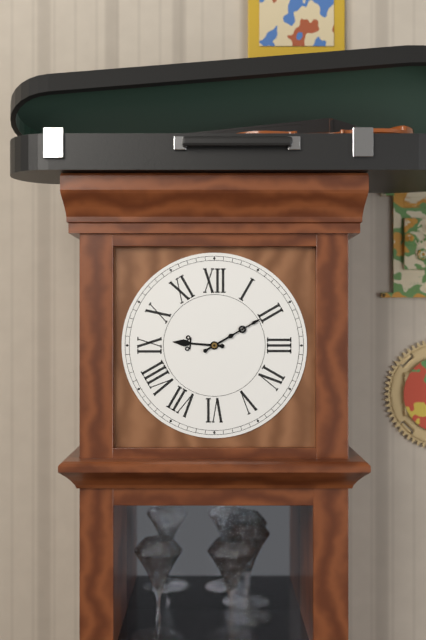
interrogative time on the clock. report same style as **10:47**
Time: **9:10**
